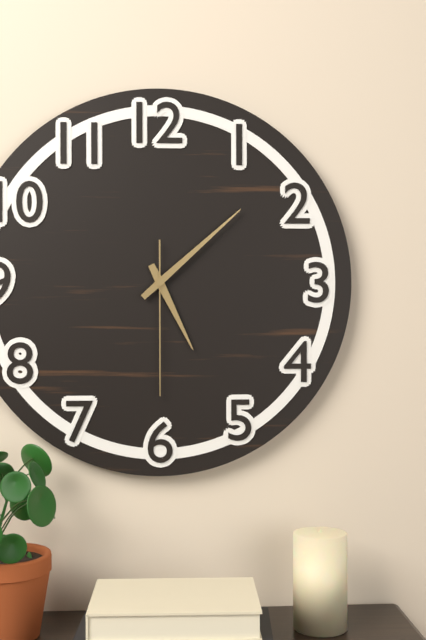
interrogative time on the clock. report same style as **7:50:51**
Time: **5:08:30**
